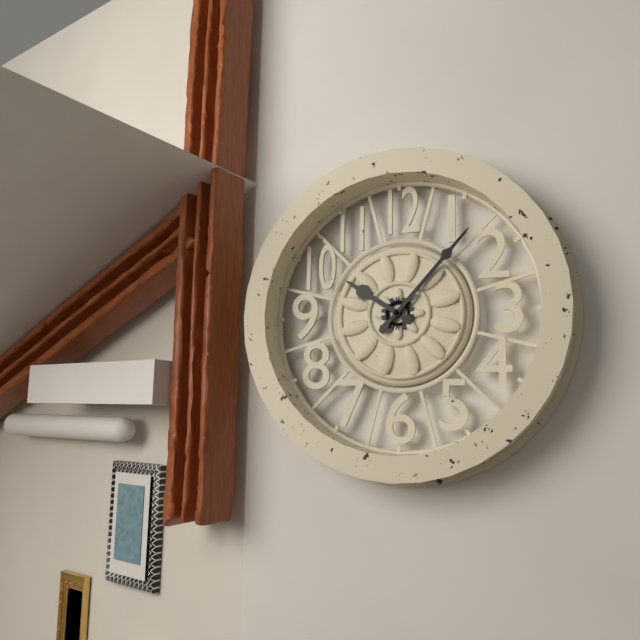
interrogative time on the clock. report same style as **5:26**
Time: **10:07**
